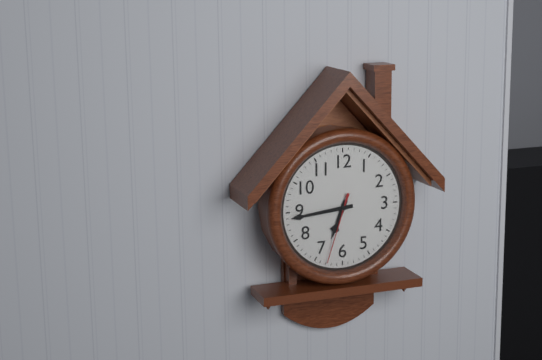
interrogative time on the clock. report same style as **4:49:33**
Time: **6:44:33**
